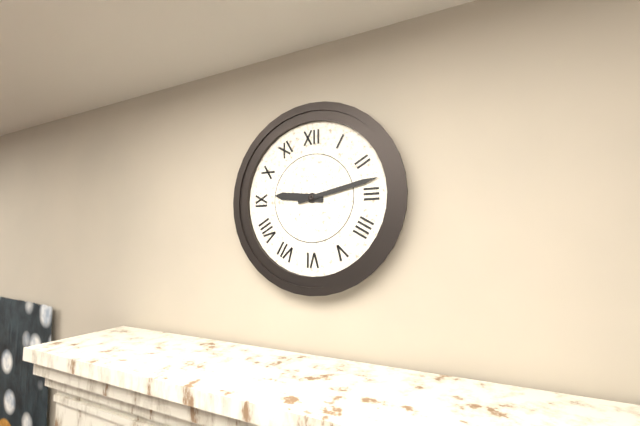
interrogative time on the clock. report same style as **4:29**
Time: **9:13**
